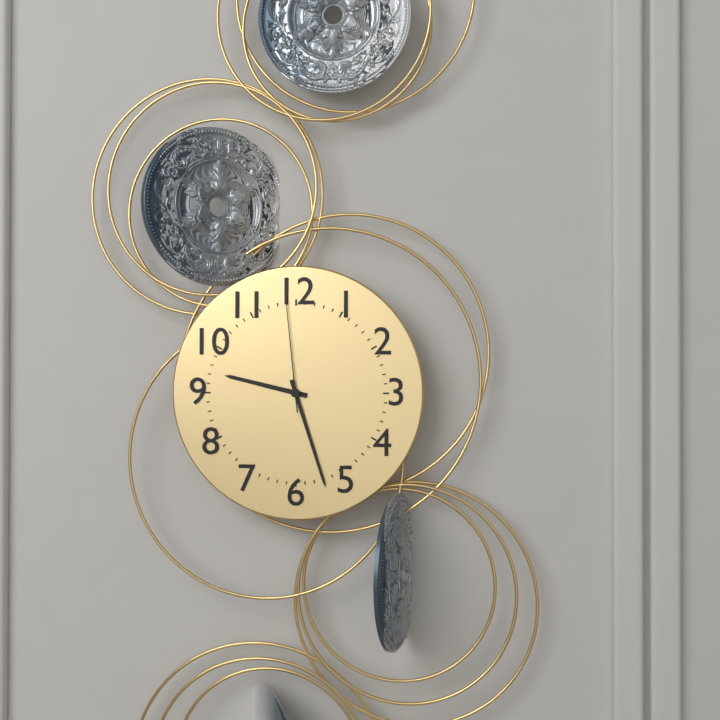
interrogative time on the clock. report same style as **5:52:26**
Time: **9:27:59**
